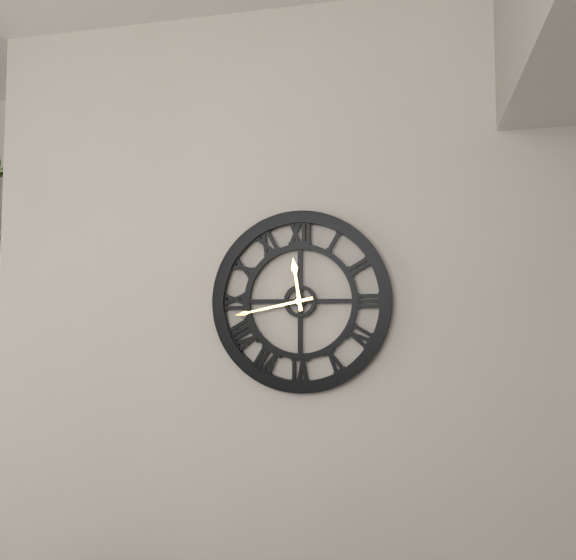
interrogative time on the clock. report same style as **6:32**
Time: **11:43**
